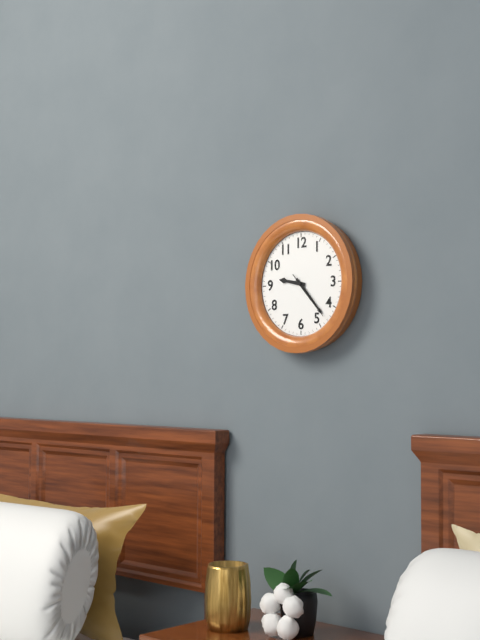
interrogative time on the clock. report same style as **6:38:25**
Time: **9:23:23**
